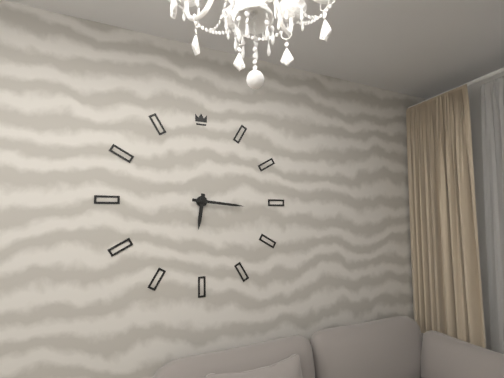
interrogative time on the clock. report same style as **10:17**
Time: **6:16**
